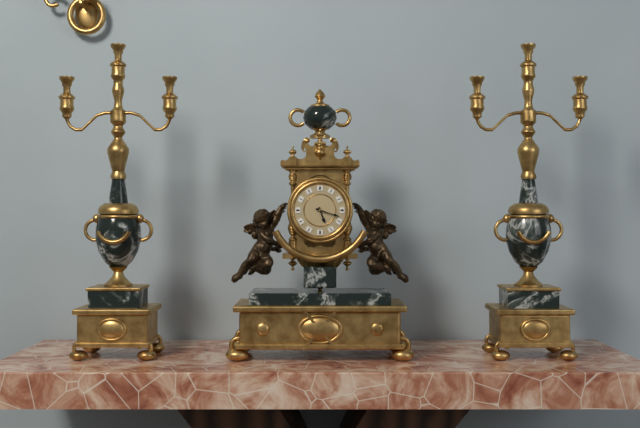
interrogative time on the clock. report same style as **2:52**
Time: **5:18**
